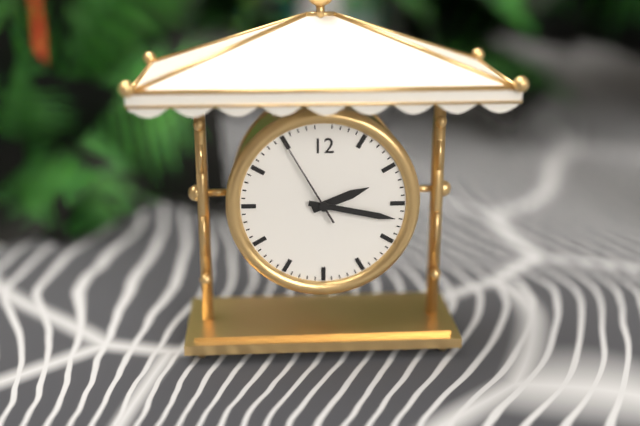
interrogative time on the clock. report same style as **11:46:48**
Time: **2:17:55**
